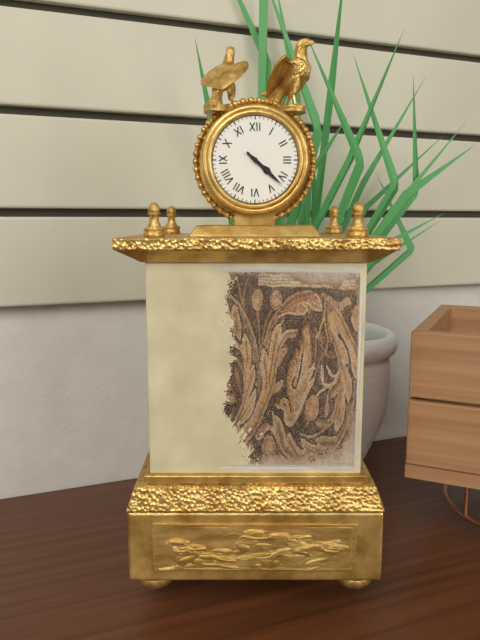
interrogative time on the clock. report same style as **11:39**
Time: **4:22**
